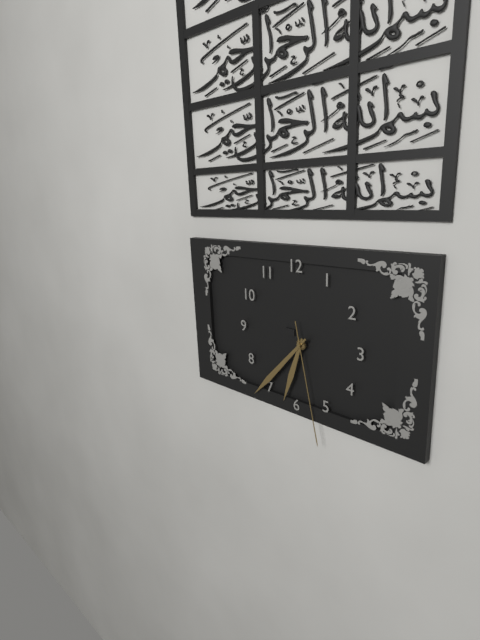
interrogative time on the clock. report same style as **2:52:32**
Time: **6:37:28**
